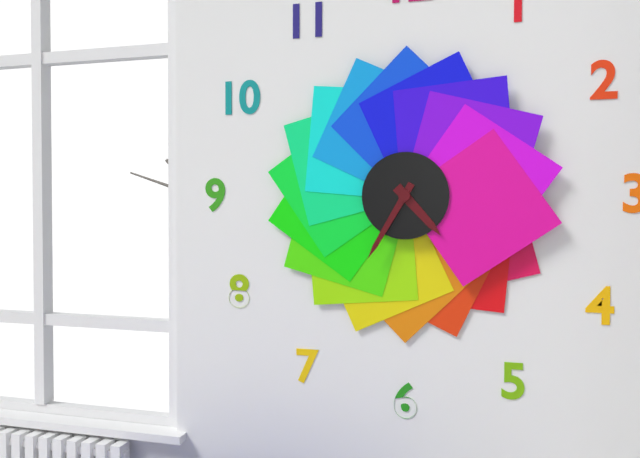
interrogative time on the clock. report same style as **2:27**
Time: **4:35**
